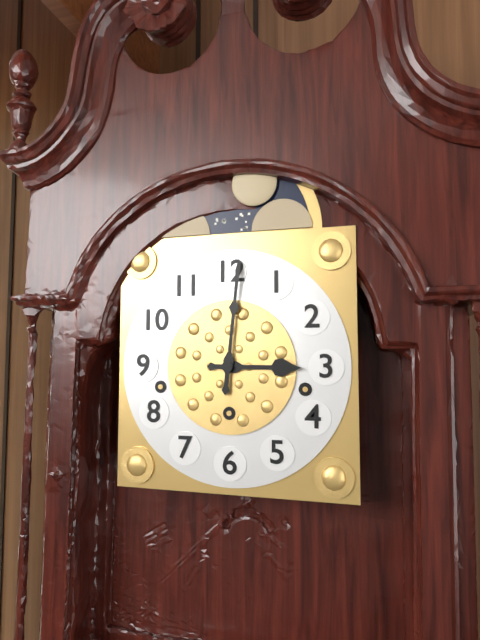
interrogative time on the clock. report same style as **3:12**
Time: **3:01**
